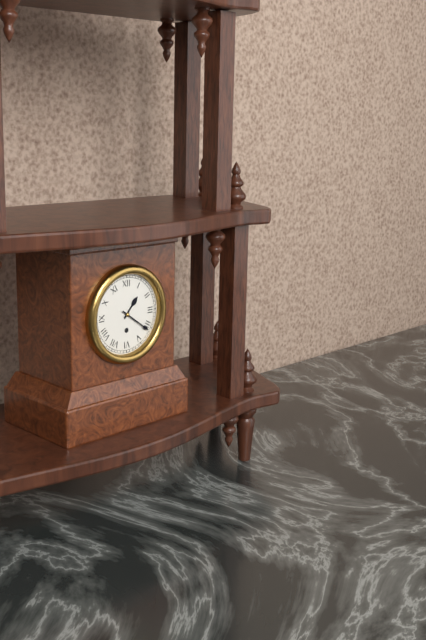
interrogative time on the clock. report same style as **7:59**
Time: **1:21**
